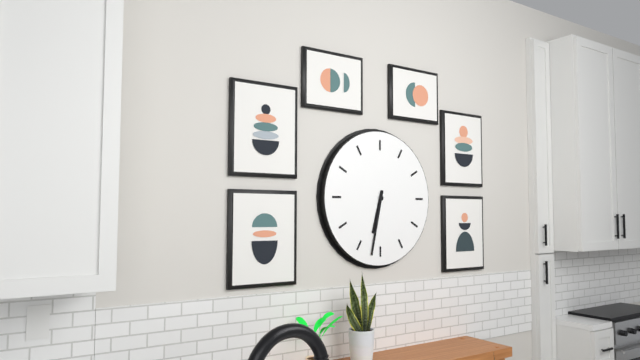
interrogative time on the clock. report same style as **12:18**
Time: **6:32**
